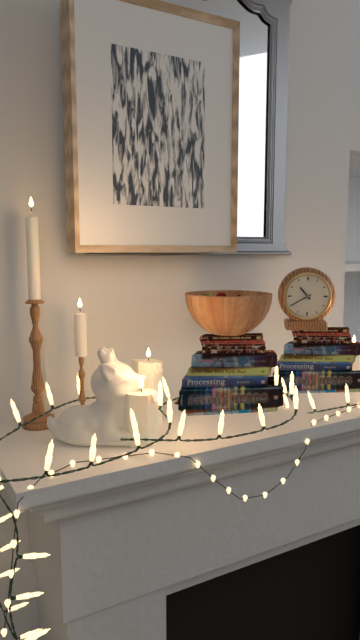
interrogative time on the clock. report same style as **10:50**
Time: **10:40**
